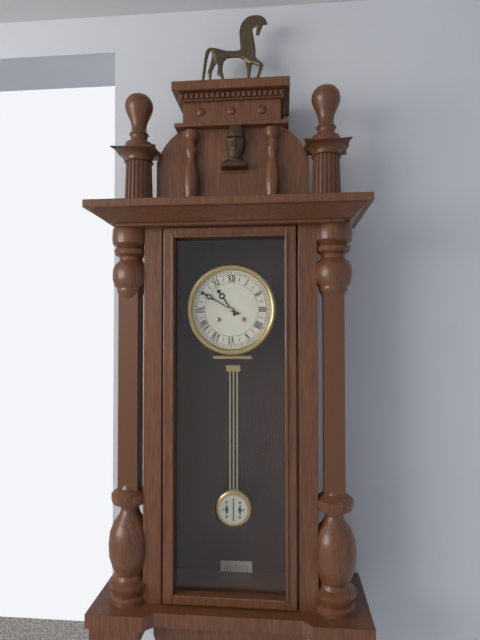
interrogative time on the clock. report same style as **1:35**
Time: **10:50**
